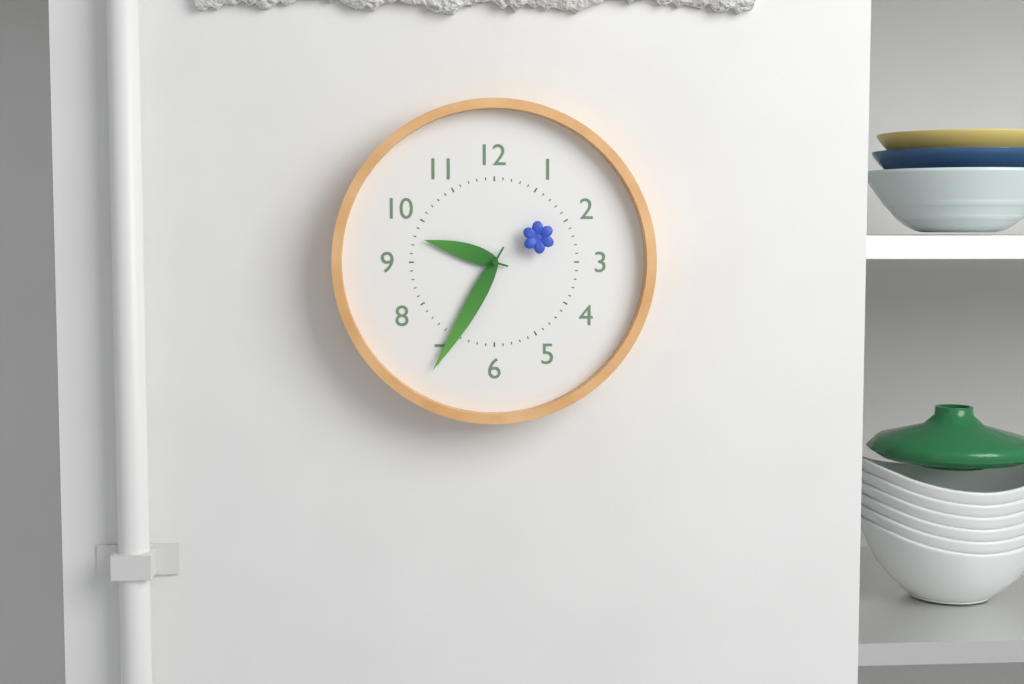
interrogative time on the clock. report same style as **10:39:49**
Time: **9:35:10**
